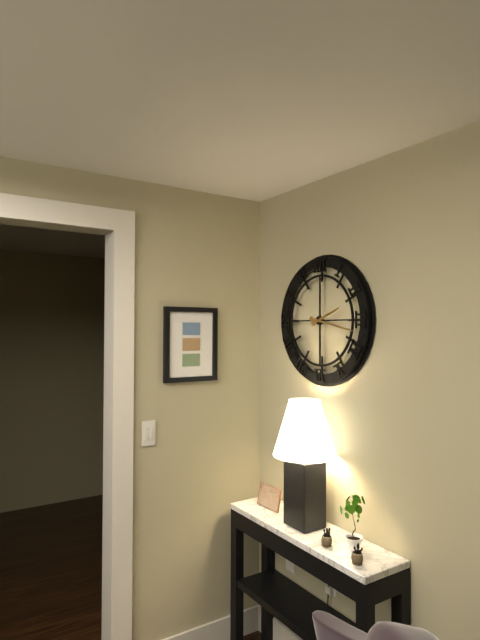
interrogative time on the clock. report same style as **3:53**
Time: **2:17**
